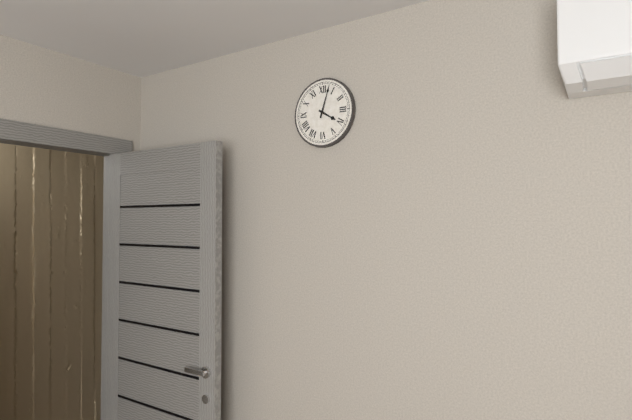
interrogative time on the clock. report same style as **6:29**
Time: **4:03**
